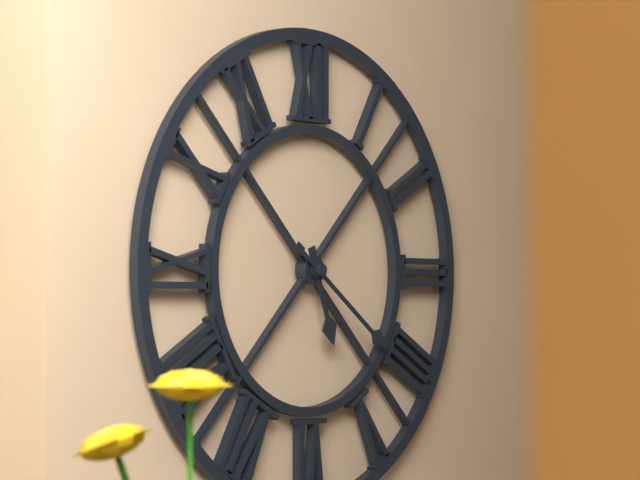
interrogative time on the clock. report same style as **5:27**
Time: **5:21**
